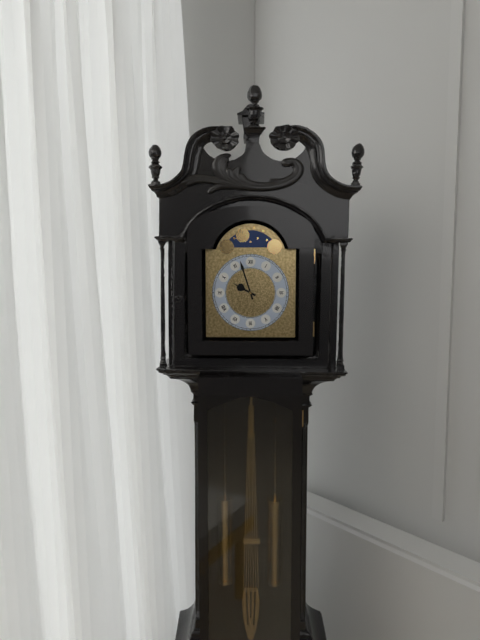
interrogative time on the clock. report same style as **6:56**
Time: **9:57**
